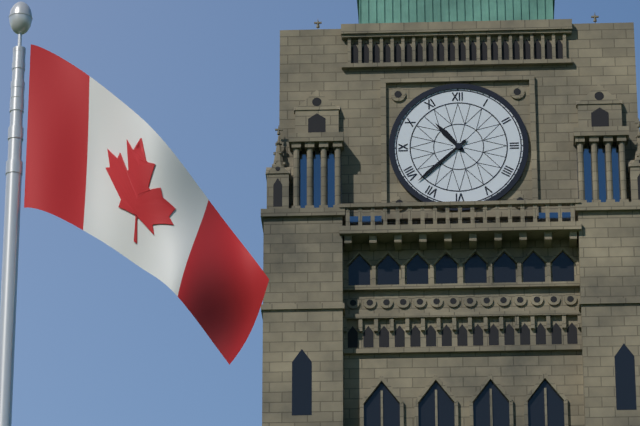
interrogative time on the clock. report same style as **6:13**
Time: **10:38**
